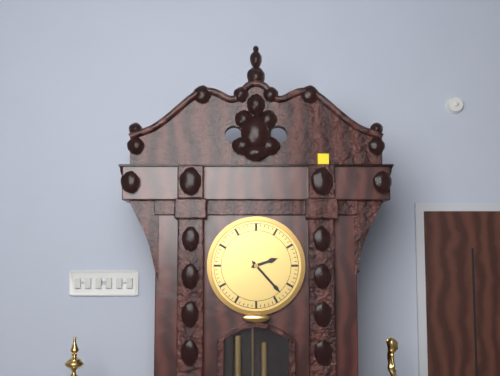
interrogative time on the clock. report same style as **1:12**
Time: **2:23**
